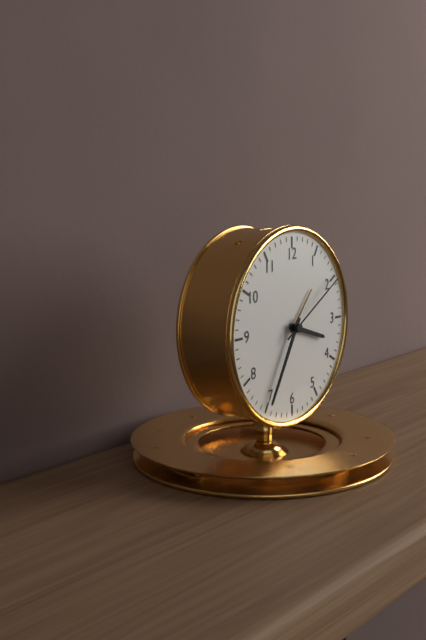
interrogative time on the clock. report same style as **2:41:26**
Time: **3:35:10**
